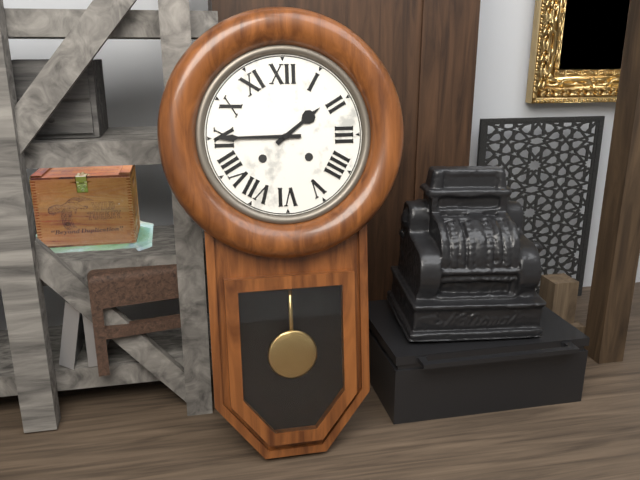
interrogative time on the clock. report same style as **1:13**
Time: **1:45**
